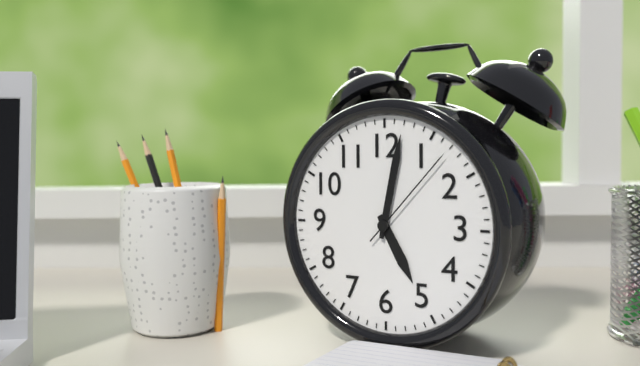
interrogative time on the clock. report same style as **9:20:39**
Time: **5:02:07**
